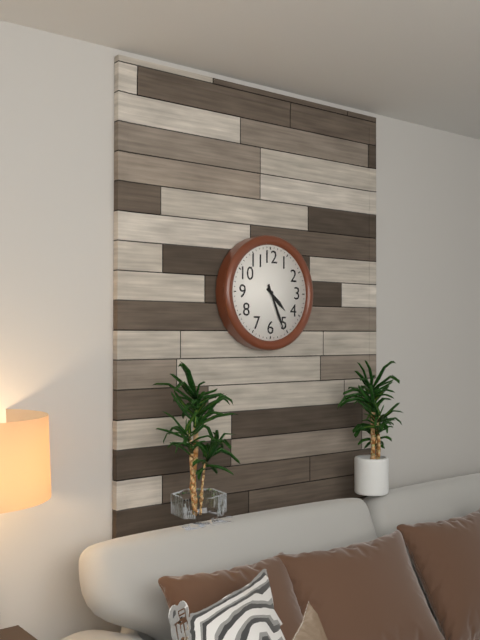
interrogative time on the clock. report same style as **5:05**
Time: **4:26**
